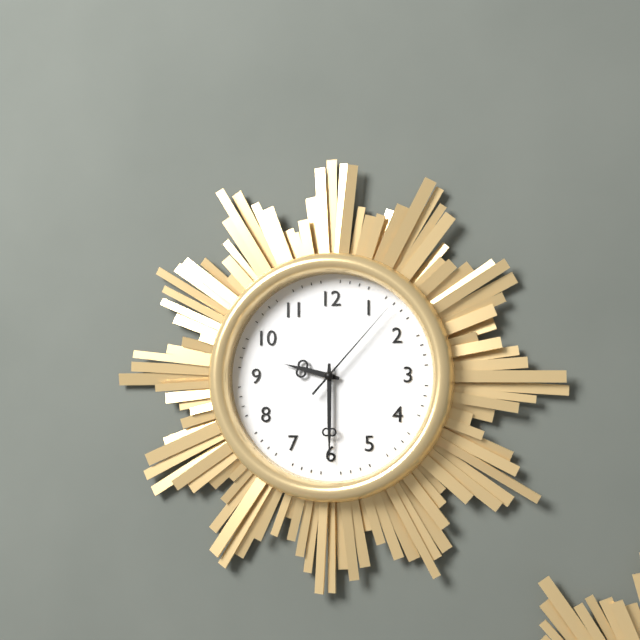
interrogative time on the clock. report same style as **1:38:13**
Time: **9:30:07**
